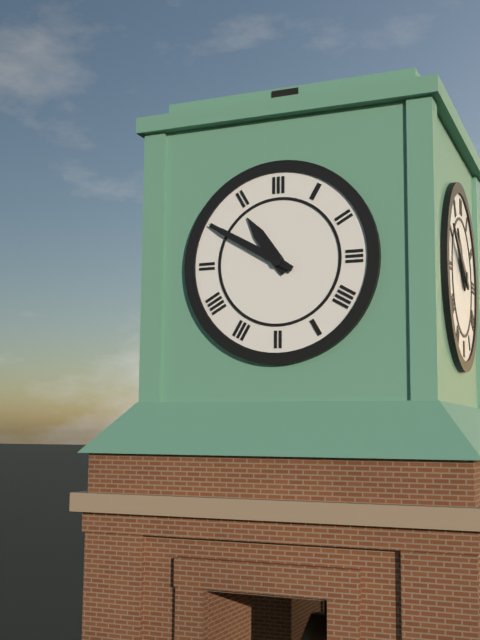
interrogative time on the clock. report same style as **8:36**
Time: **10:50**
